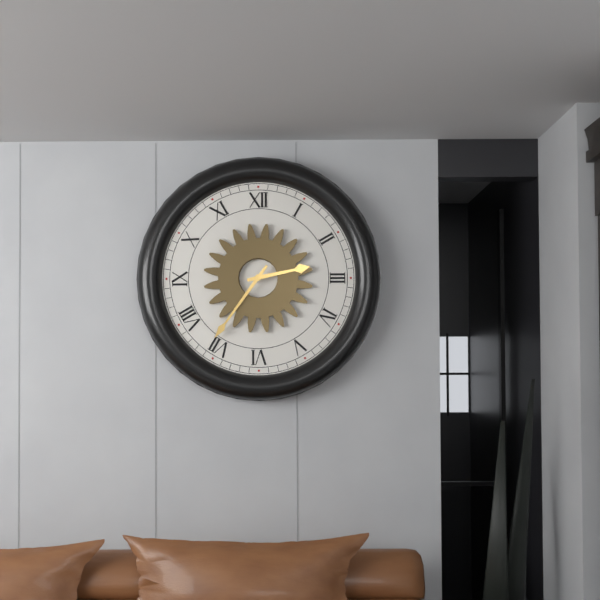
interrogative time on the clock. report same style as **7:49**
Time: **2:36**
